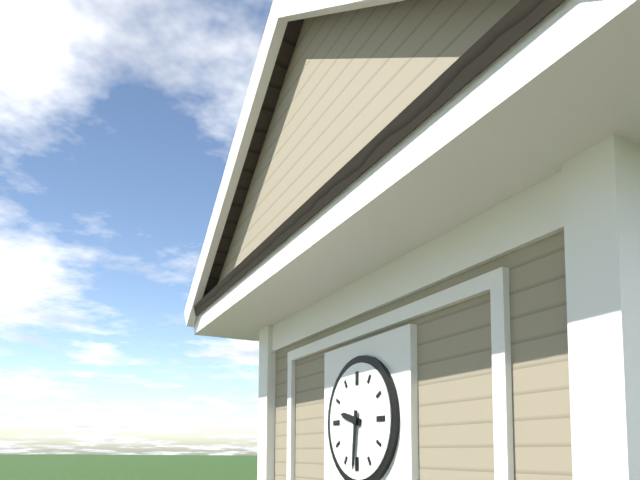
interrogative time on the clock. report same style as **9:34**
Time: **9:31**
